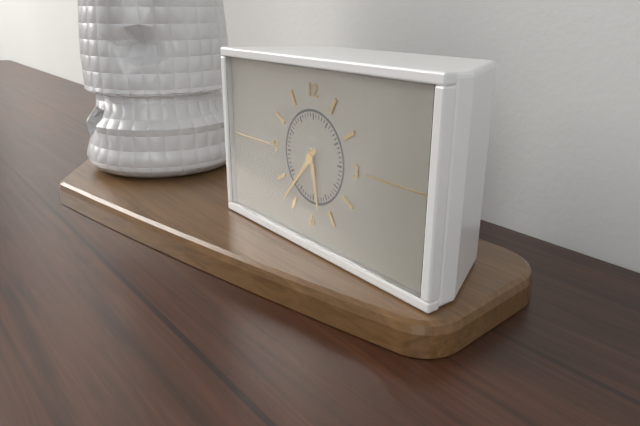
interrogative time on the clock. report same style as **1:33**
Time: **5:37**
